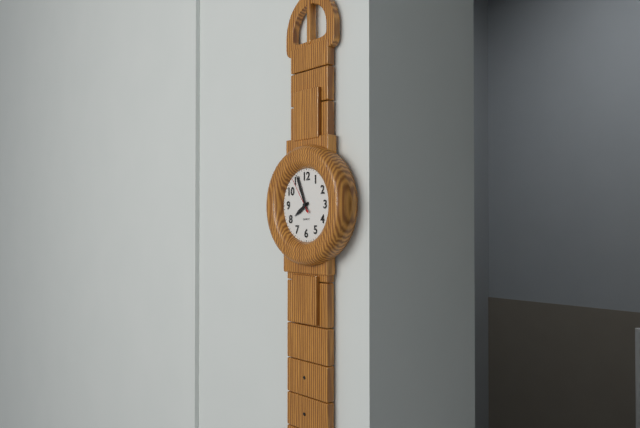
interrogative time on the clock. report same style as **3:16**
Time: **7:56**
